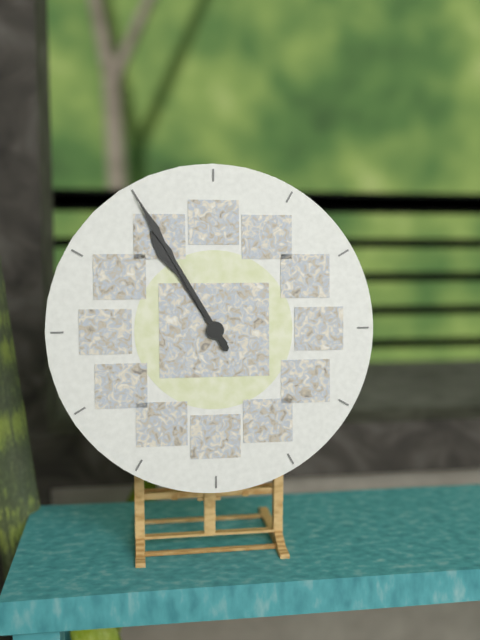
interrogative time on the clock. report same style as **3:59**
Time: **10:55**
